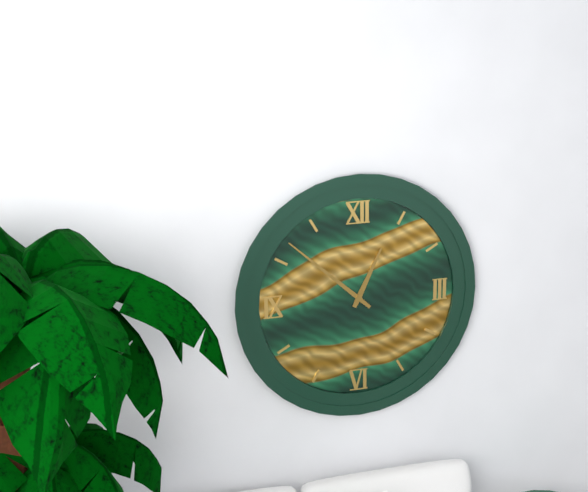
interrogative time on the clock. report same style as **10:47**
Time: **12:52**
